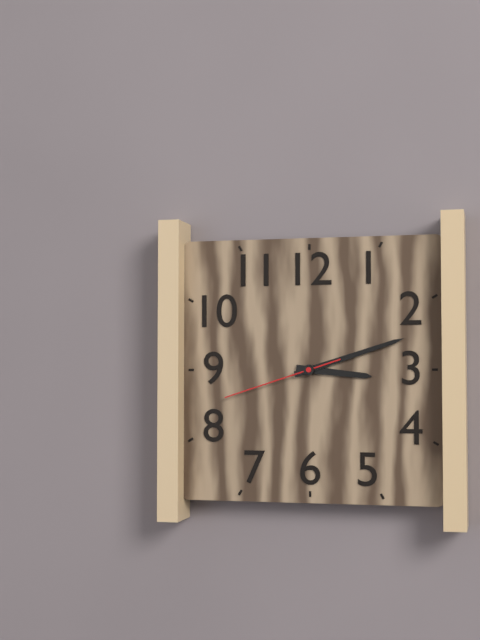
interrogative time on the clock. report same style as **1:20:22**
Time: **3:12:42**
